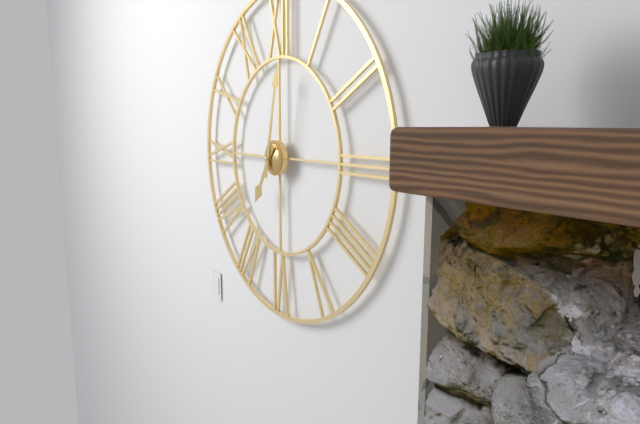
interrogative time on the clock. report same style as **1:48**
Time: **7:02**
